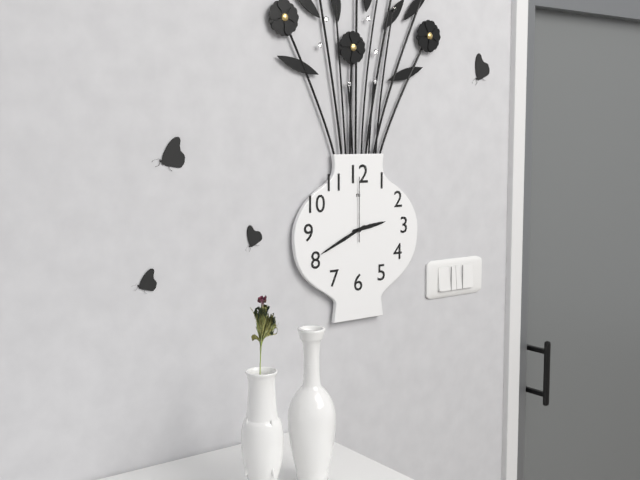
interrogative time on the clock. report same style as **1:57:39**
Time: **2:41:00**
